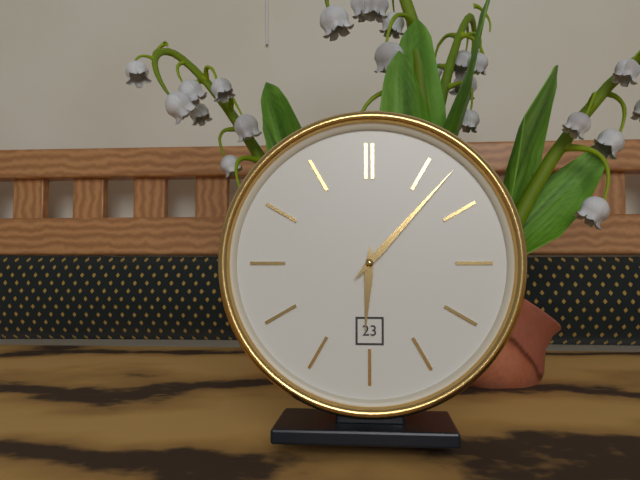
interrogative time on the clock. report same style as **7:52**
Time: **6:07**
